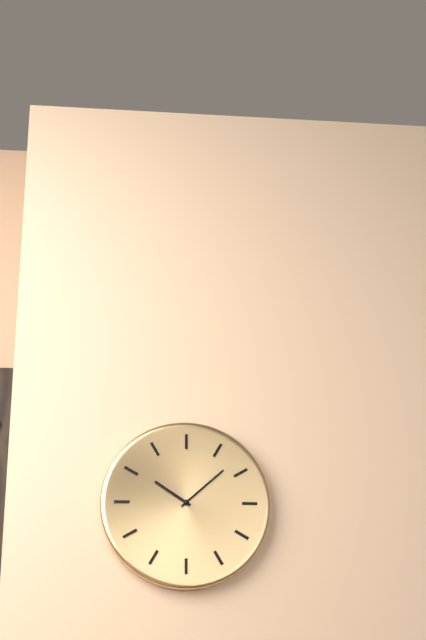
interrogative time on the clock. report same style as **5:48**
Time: **10:08**
